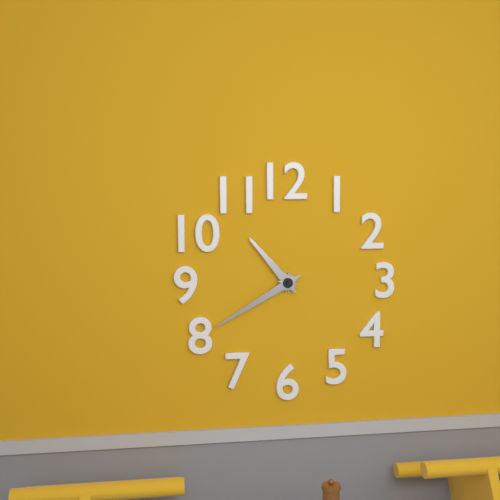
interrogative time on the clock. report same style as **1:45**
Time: **10:40**
